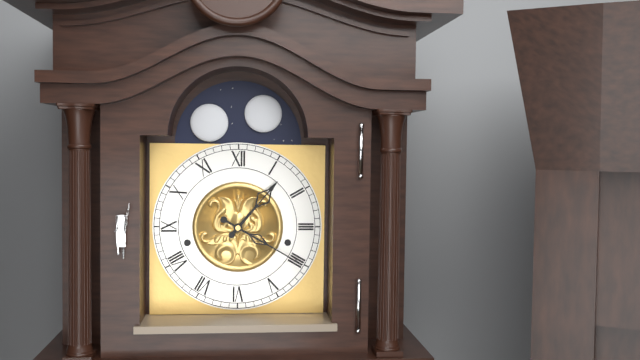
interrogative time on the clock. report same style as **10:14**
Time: **1:20**
